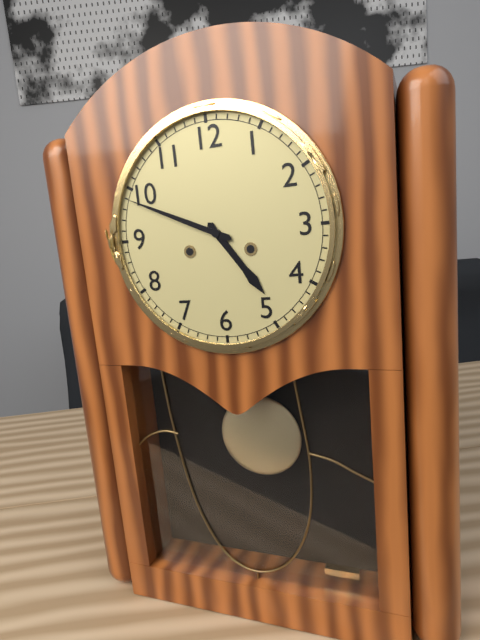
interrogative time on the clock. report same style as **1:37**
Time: **4:49**
